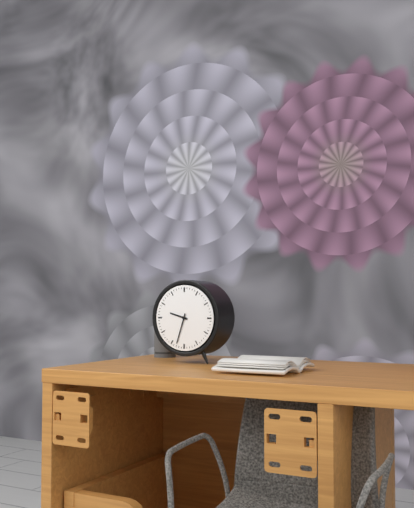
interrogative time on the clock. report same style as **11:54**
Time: **9:33**
